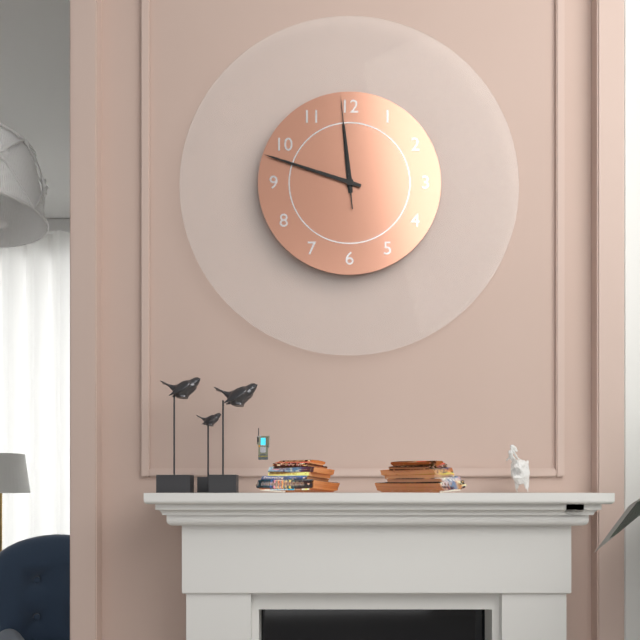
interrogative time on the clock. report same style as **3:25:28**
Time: **11:48:59**
